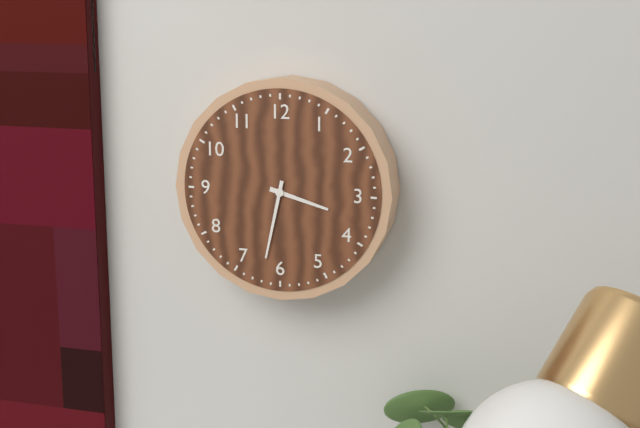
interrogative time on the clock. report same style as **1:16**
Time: **3:32**
